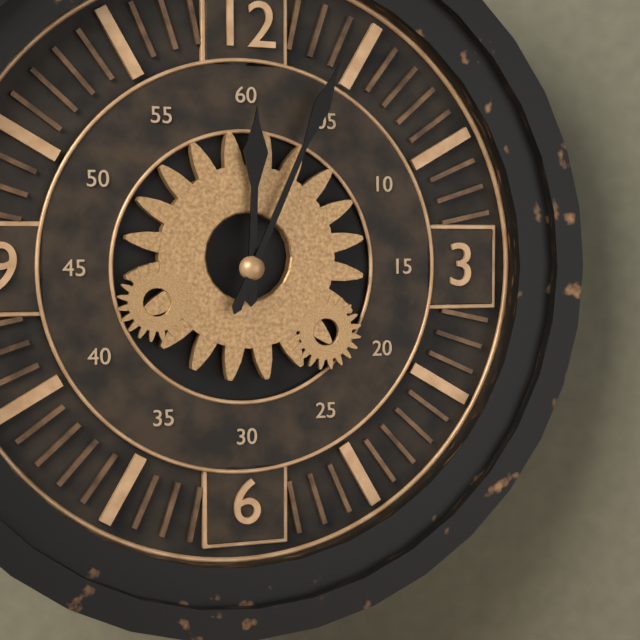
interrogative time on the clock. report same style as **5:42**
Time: **12:04**
